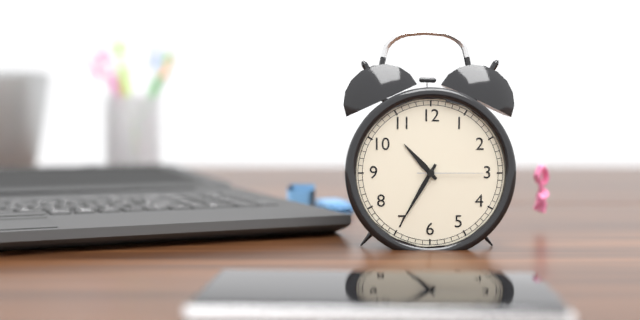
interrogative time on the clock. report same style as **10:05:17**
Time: **10:35:15**
